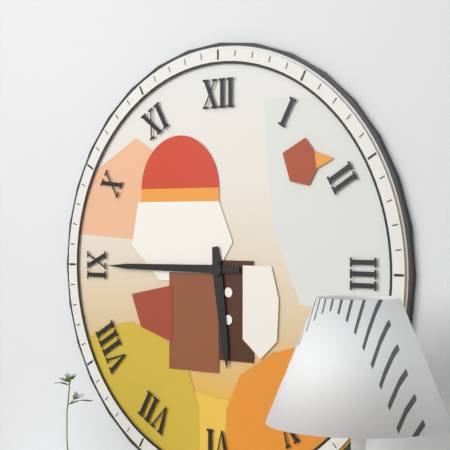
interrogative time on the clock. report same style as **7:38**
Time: **5:45**
